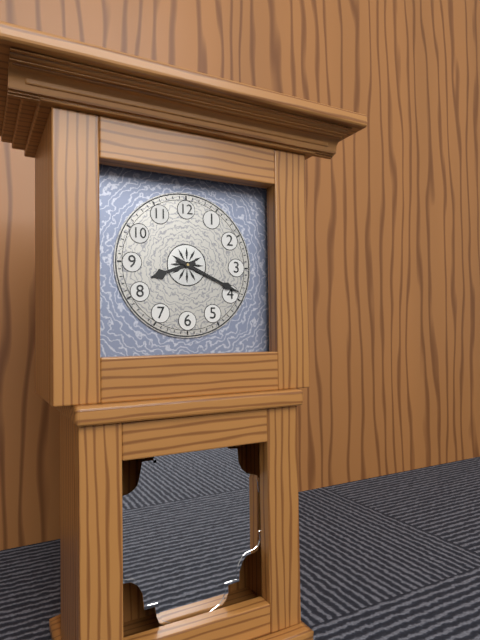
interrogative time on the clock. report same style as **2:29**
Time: **8:19**
